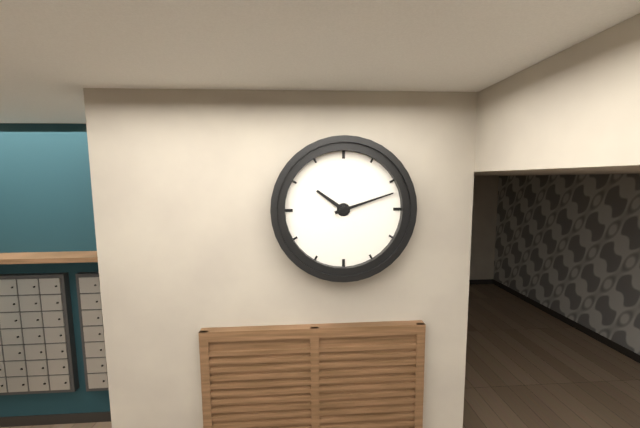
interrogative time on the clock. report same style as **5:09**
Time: **10:12**
